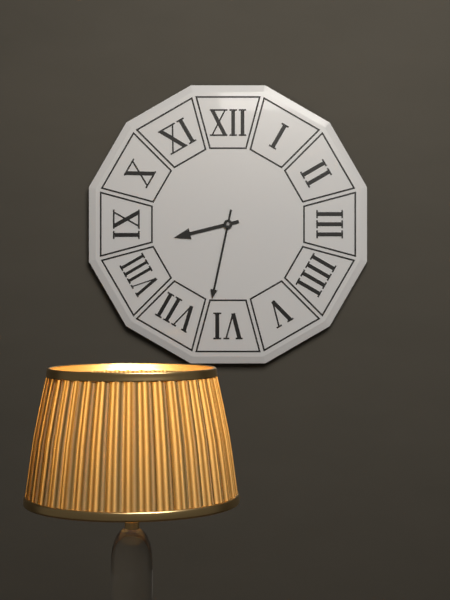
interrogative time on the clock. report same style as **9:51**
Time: **8:32**
